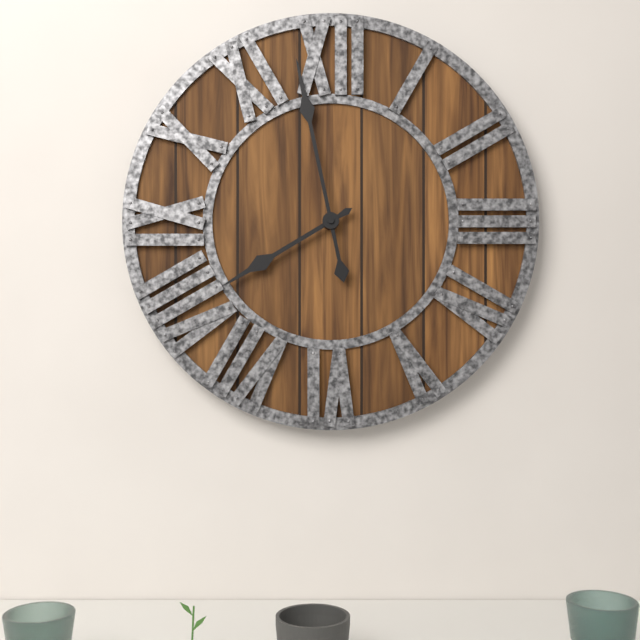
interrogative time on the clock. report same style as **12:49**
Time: **7:58**
